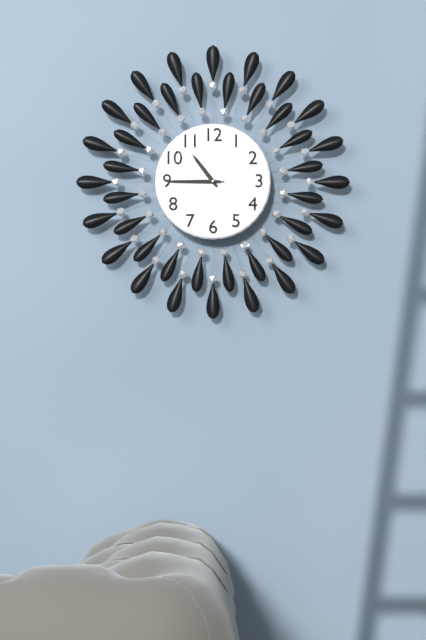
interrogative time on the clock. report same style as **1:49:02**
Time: **10:45:45**
